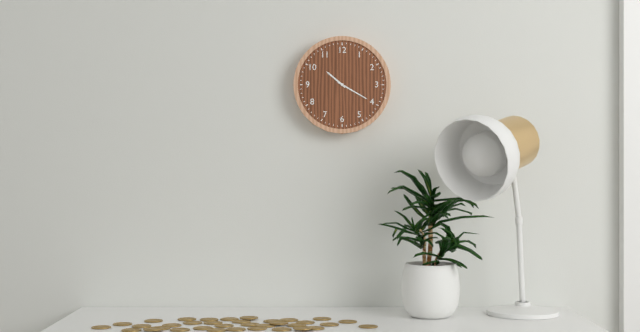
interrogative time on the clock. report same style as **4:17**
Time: **10:20**
